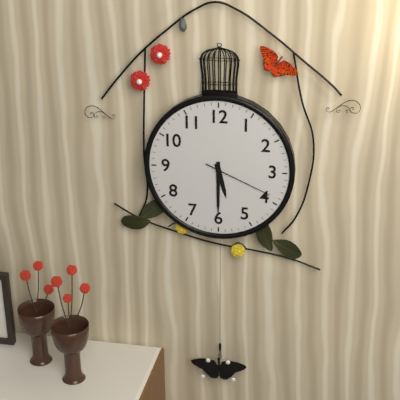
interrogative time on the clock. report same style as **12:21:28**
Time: **5:30:19**
